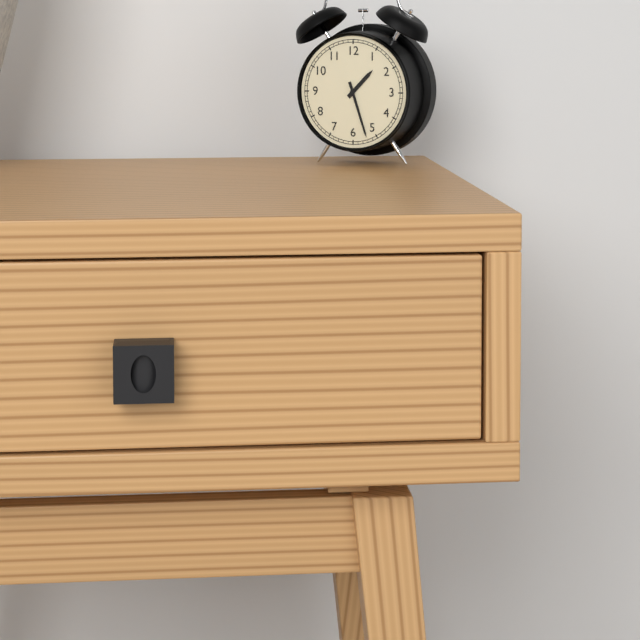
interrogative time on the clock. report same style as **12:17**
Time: **1:27**
